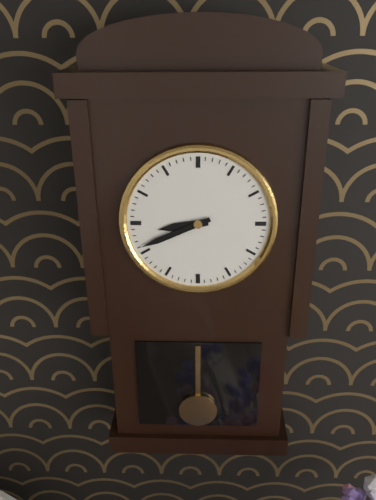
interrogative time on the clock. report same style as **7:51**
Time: **8:41**
